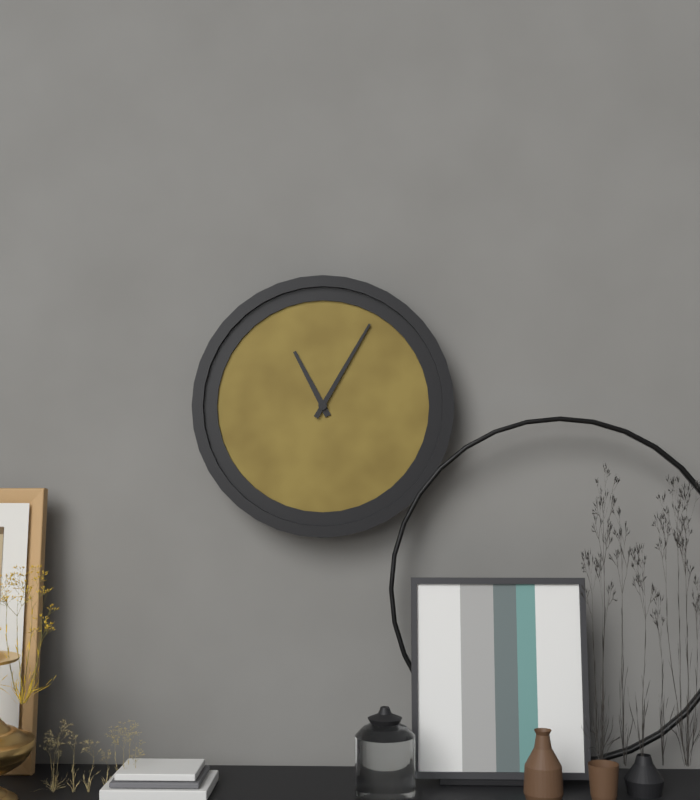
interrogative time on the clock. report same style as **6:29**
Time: **11:05**
